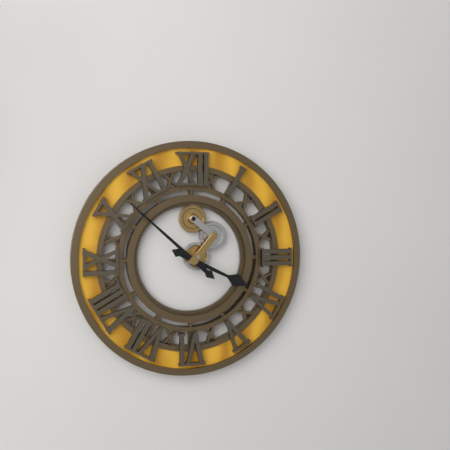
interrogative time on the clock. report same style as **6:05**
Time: **3:52**
